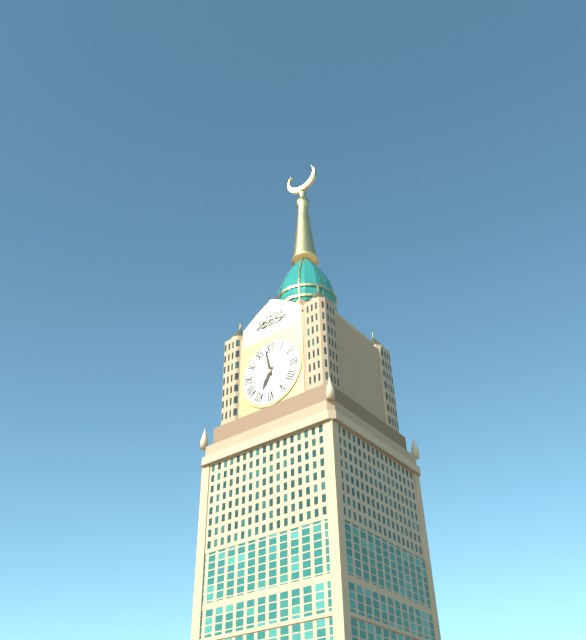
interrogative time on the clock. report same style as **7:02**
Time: **6:58**
